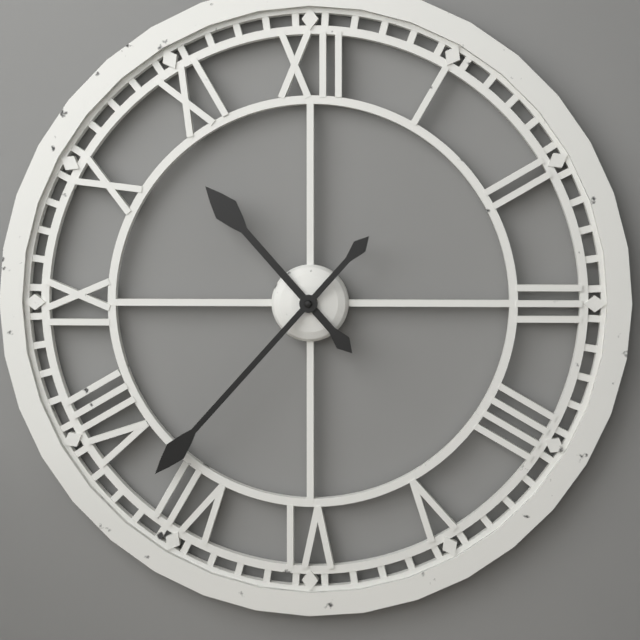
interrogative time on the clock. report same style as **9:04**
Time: **10:37**
